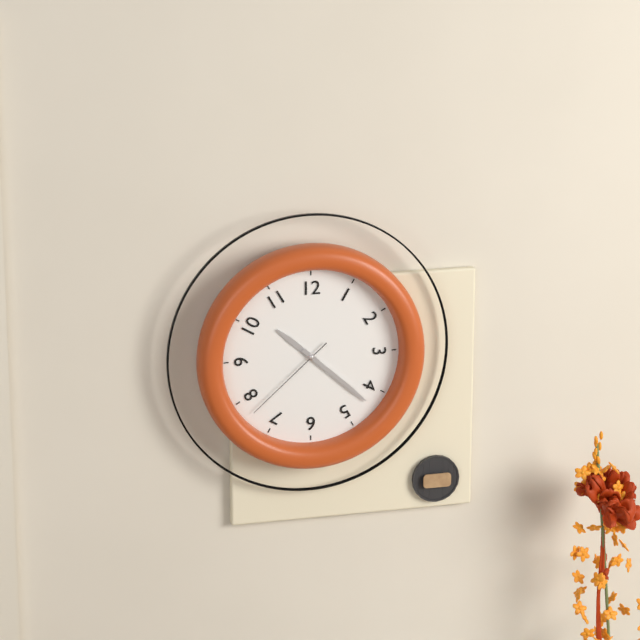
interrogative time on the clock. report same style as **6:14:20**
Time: **10:22:38**
